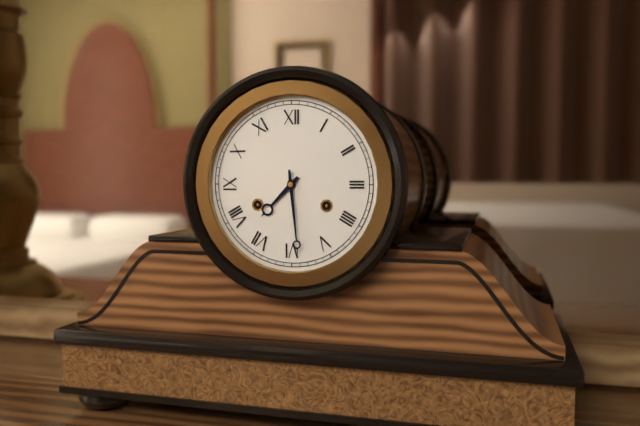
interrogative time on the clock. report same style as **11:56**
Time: **7:29**
